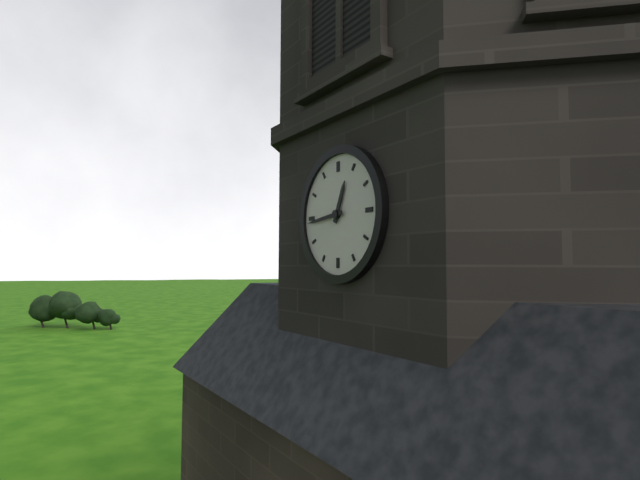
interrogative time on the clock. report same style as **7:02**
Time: **12:44**
